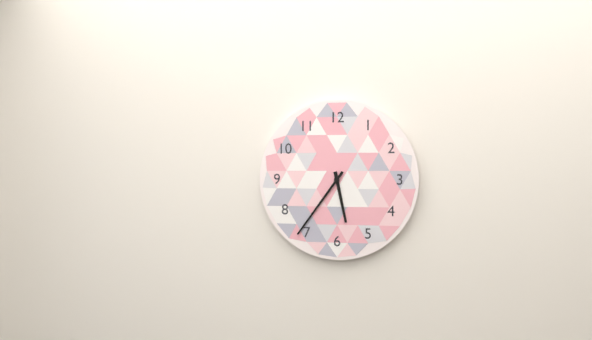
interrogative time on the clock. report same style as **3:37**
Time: **5:36**
